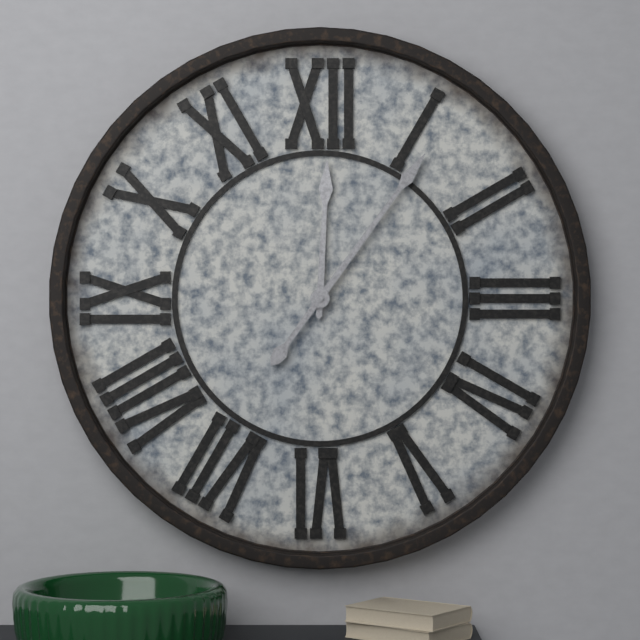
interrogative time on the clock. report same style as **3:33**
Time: **12:06**
